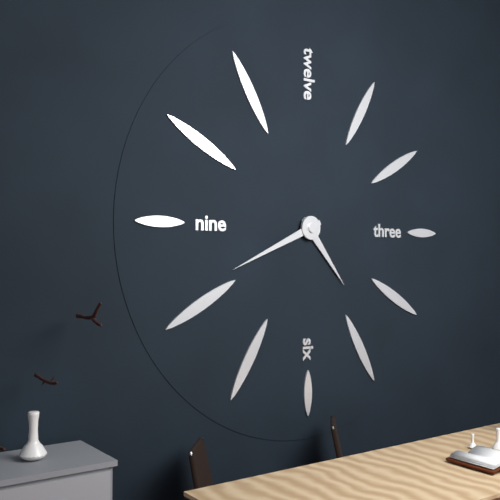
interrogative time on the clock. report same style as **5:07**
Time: **4:41**
